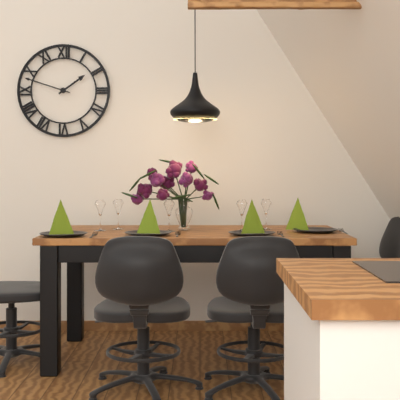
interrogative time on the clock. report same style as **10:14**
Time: **1:48**
